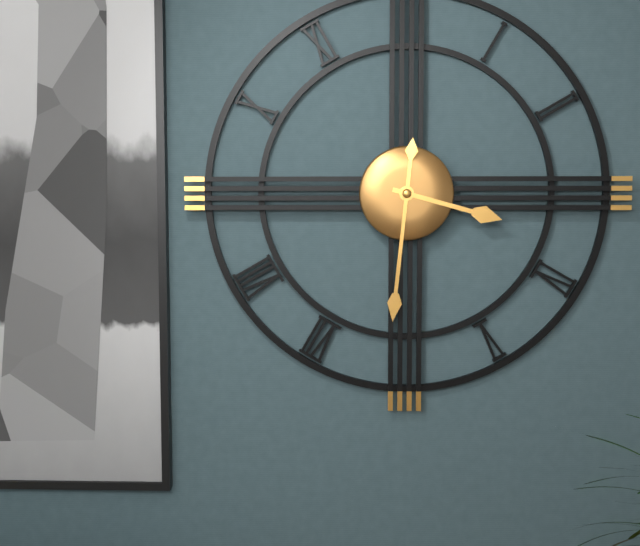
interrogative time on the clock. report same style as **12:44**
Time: **3:31**
